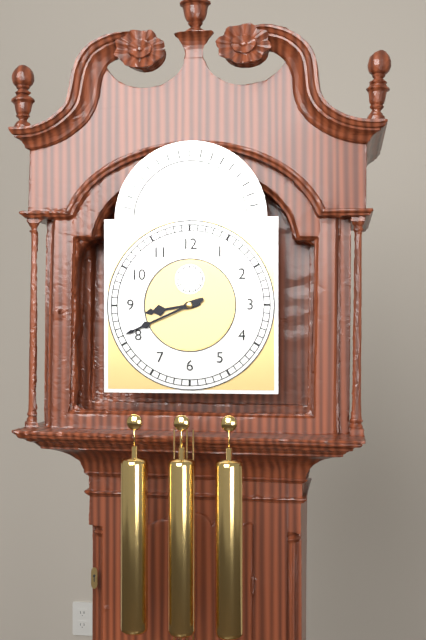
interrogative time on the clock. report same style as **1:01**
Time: **8:41**
